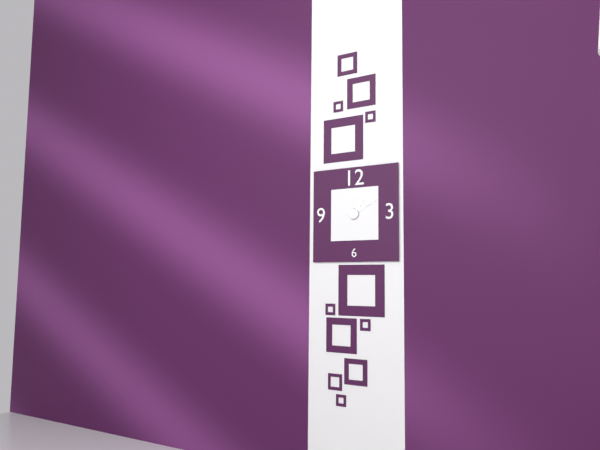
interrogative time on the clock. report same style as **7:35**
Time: **1:10**
